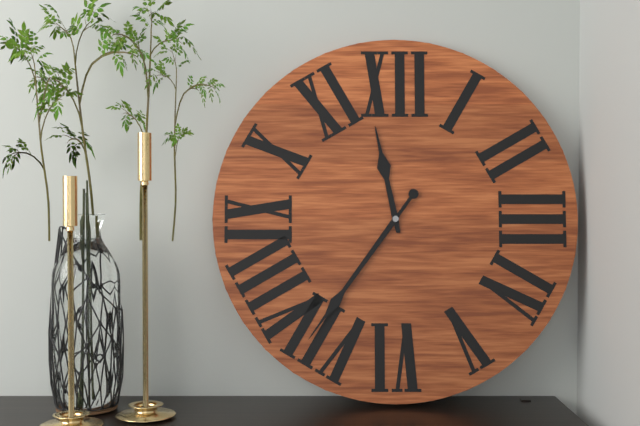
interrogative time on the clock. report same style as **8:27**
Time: **11:36**
